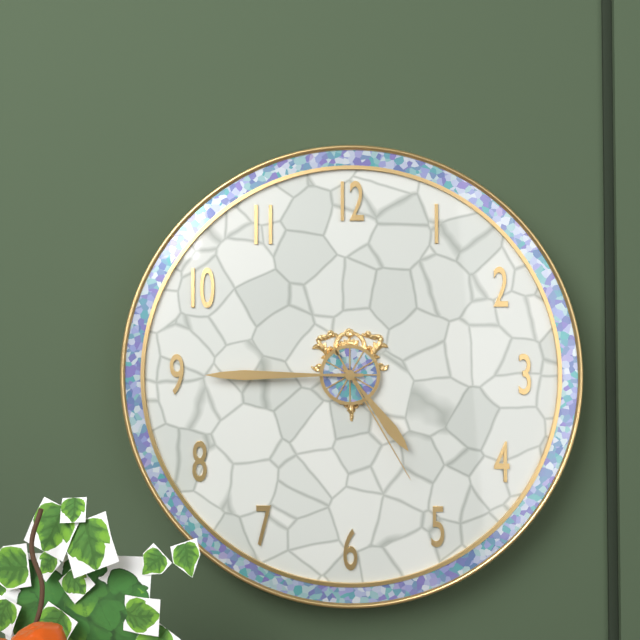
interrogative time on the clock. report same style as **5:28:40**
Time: **4:45:25**
